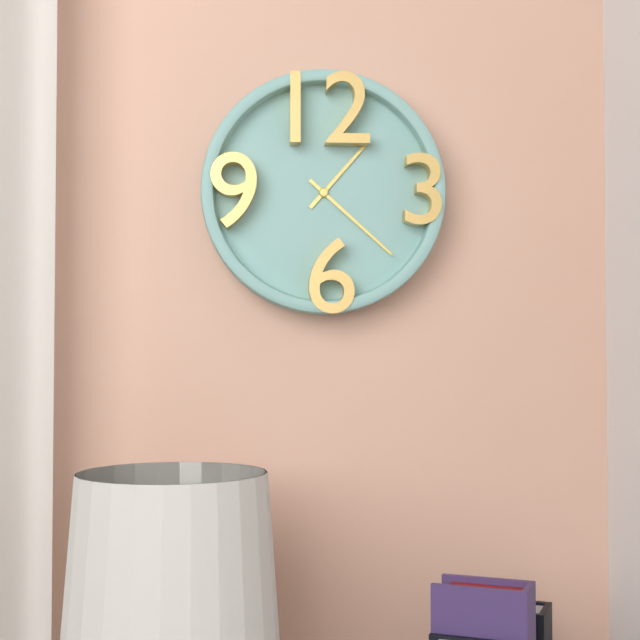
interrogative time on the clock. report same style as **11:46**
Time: **1:22**
